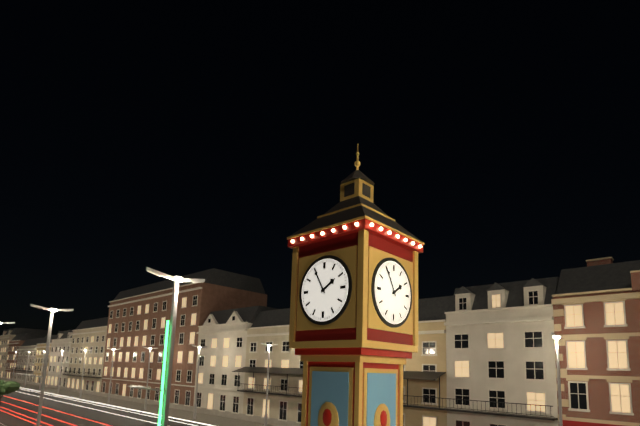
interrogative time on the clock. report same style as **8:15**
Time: **1:55**
